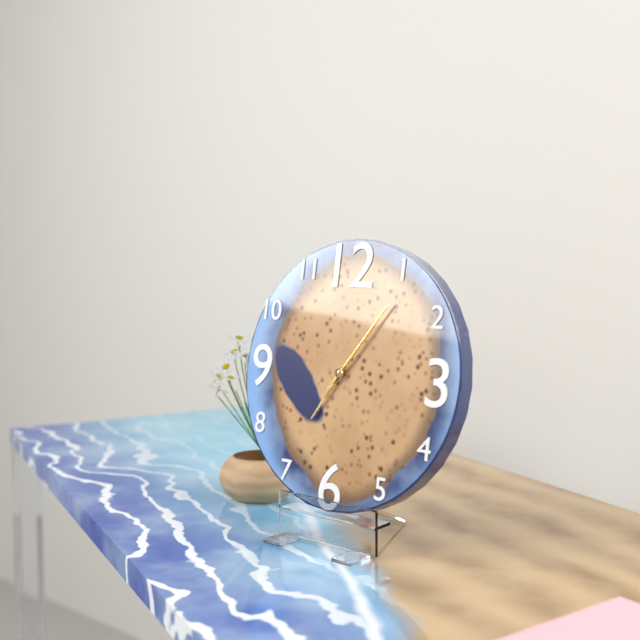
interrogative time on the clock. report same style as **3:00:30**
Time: **7:06:06**
